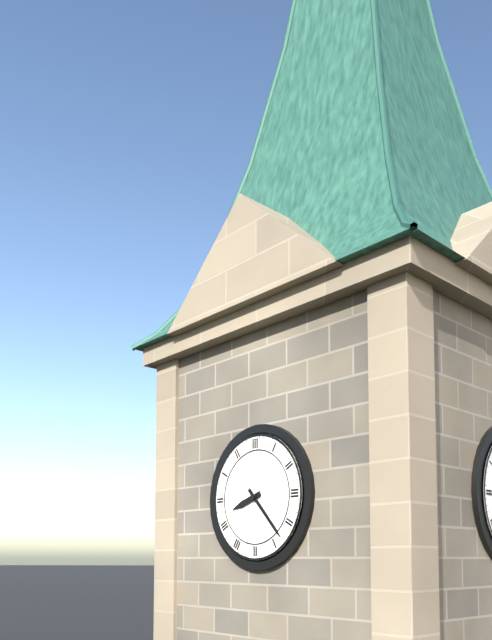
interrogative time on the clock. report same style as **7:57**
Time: **8:23**
